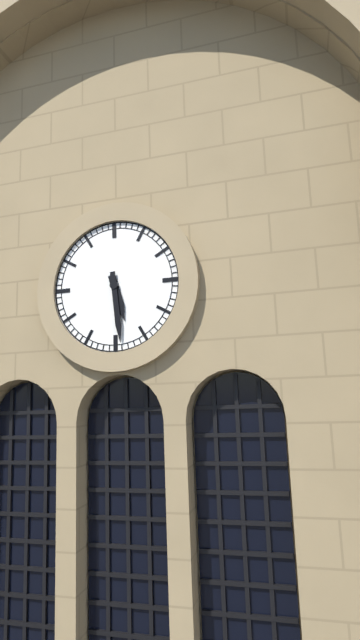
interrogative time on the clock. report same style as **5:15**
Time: **5:29**
